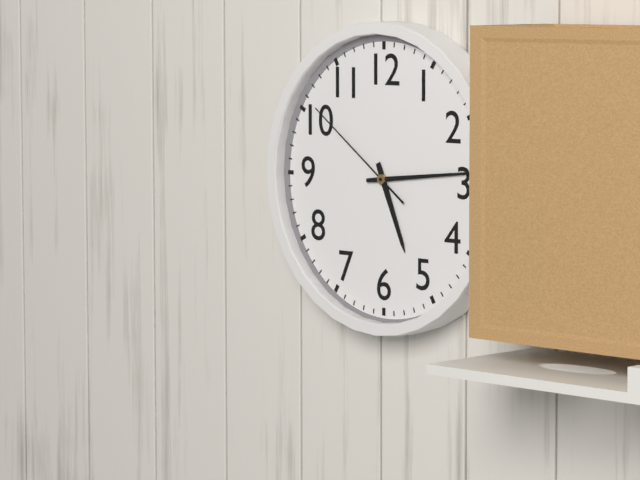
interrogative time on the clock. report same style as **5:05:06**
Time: **5:14:51**
